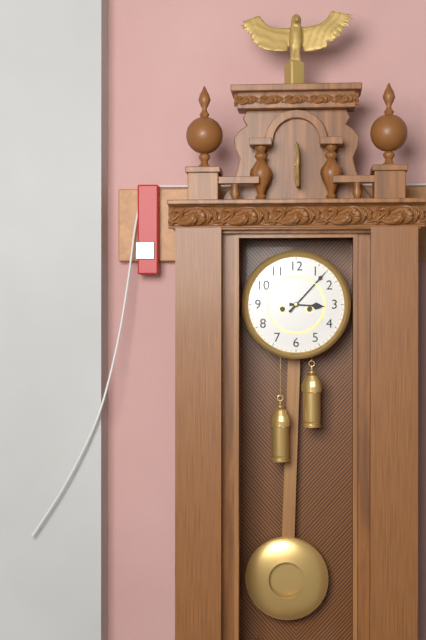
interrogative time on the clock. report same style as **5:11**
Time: **3:07**
